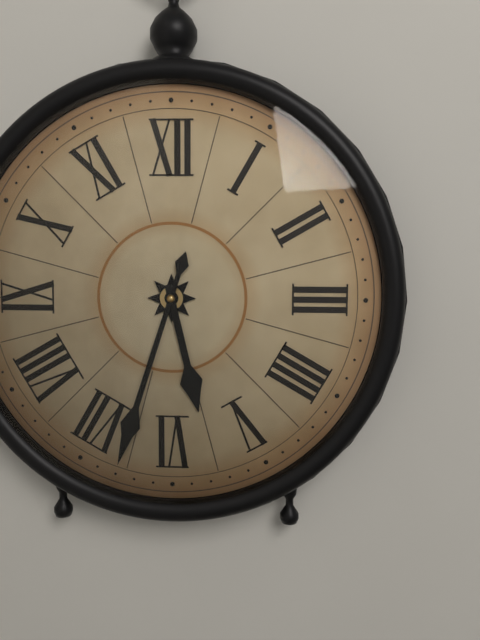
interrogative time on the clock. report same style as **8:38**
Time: **5:33**
